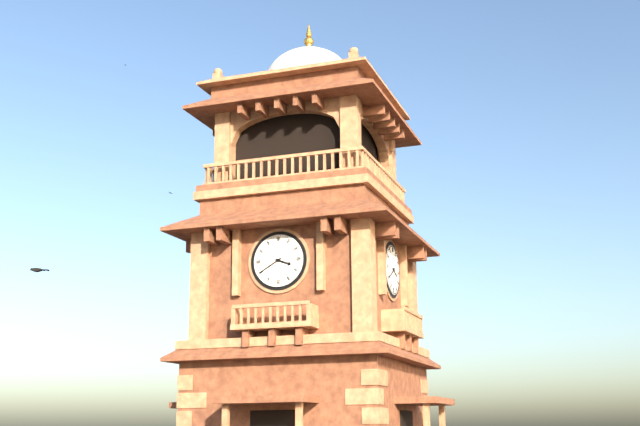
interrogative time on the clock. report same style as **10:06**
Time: **3:40**
